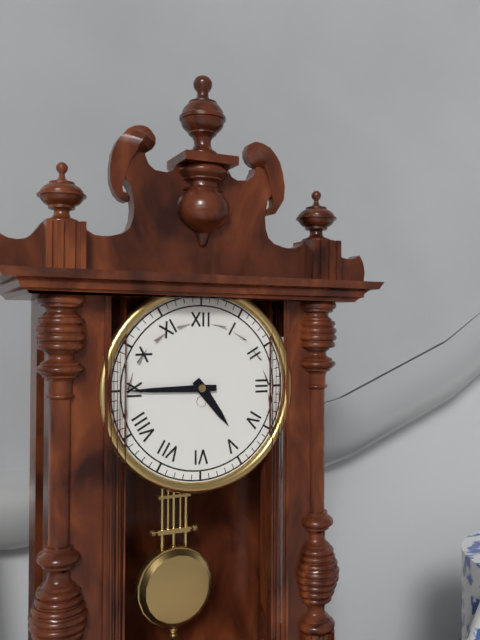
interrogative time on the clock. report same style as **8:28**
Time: **4:45**
